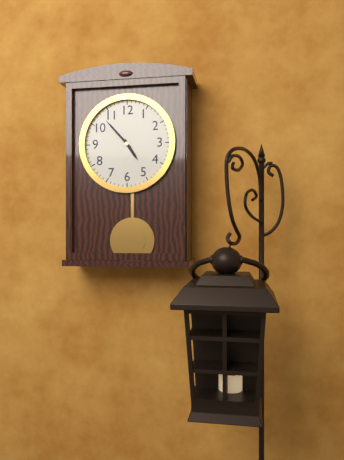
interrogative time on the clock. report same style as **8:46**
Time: **4:53**
